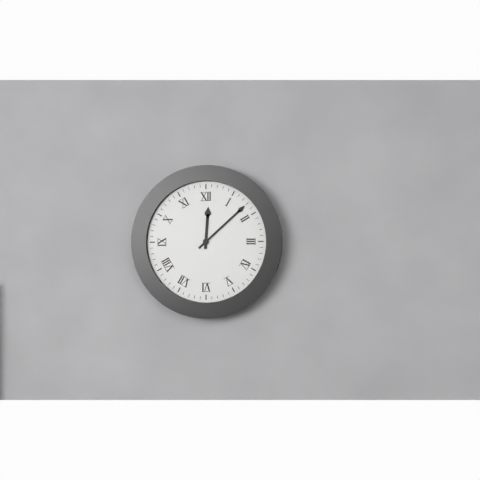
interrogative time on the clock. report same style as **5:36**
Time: **12:08**
